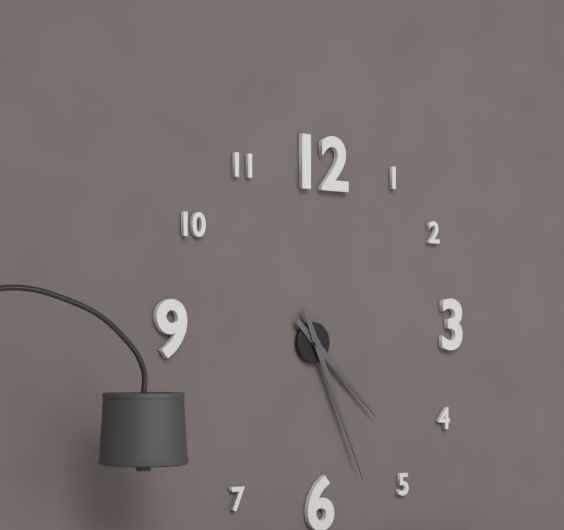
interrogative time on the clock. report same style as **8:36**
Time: **4:26**
